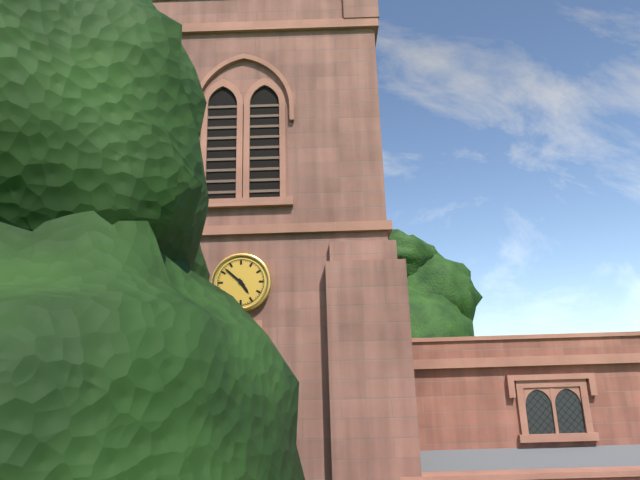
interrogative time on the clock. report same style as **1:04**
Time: **4:52**
